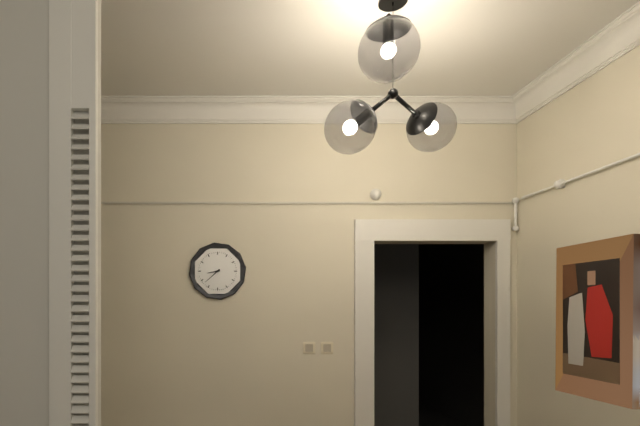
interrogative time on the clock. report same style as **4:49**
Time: **8:38**
